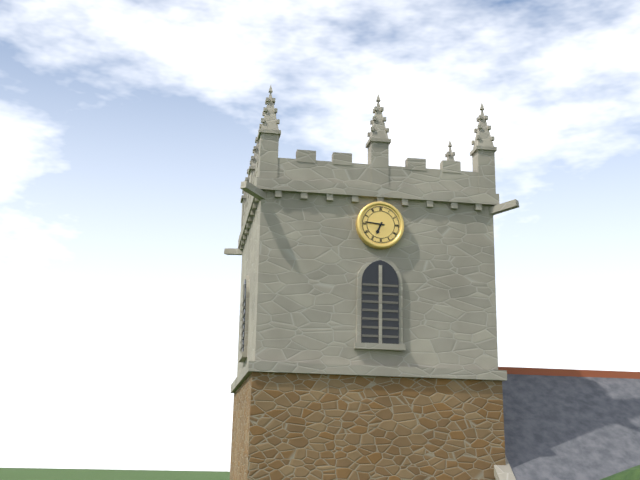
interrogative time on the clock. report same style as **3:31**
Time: **6:46**
